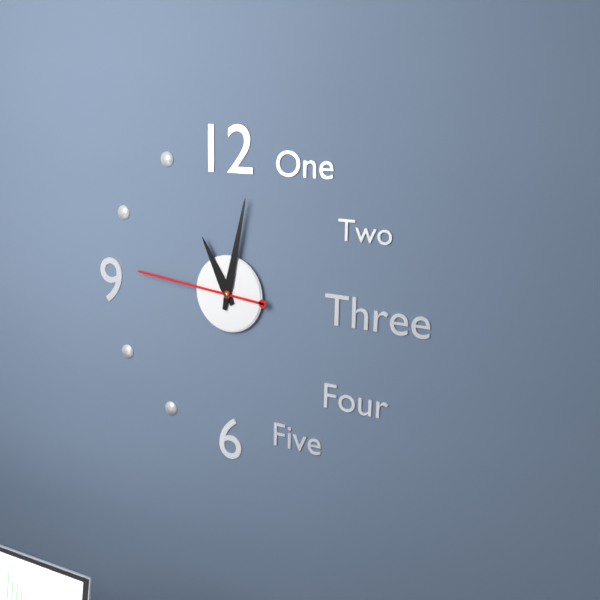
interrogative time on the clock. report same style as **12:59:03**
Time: **11:02:46**
